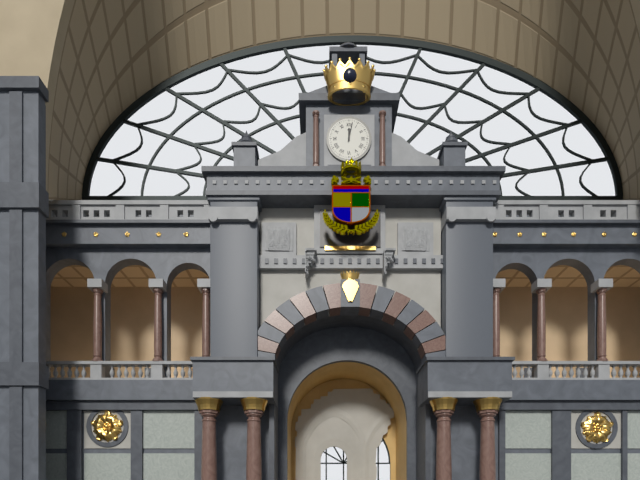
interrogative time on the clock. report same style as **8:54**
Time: **12:02**
